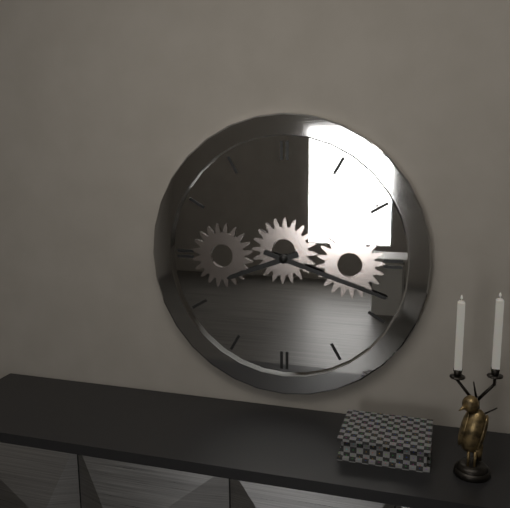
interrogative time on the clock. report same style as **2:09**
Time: **8:18**
